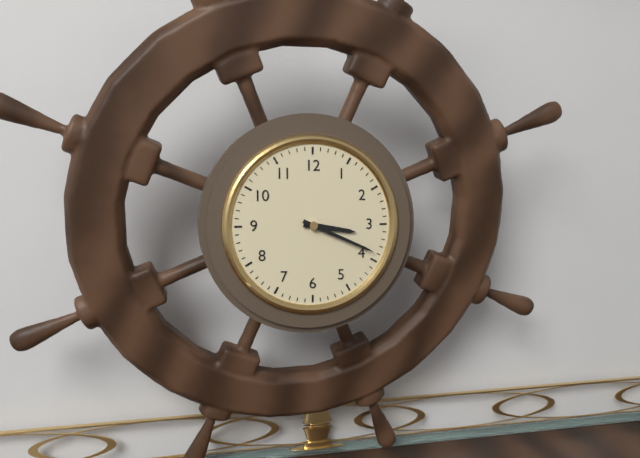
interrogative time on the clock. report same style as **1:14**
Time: **3:19**
